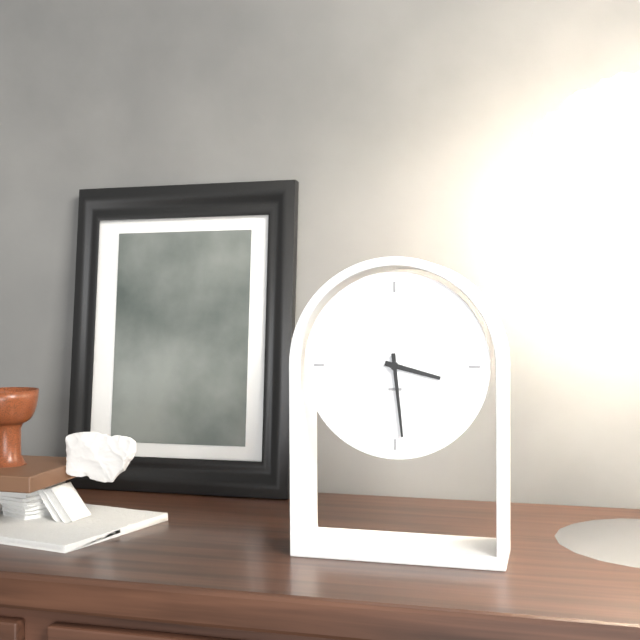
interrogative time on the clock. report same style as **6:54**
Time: **3:29**
